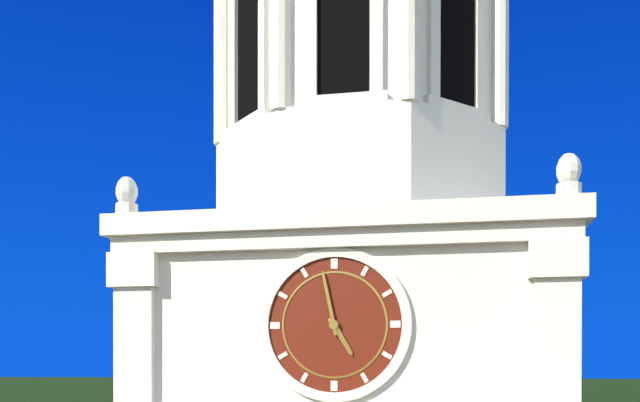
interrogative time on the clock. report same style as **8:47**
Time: **4:58**
